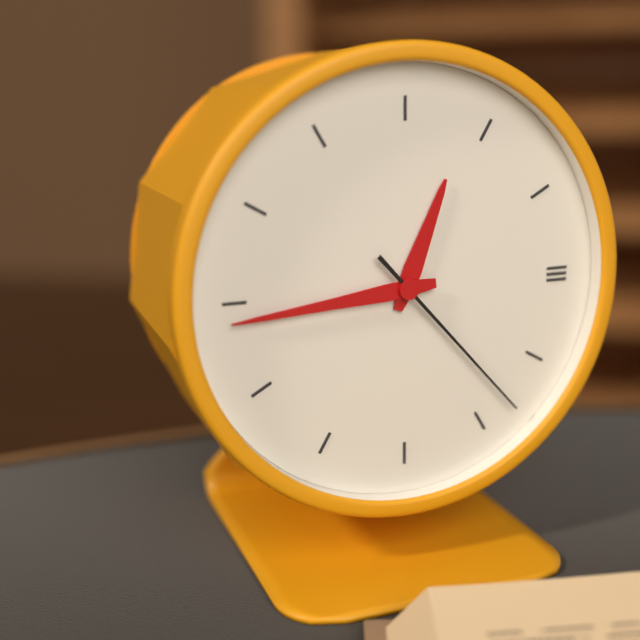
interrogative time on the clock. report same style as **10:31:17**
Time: **12:44:23**
